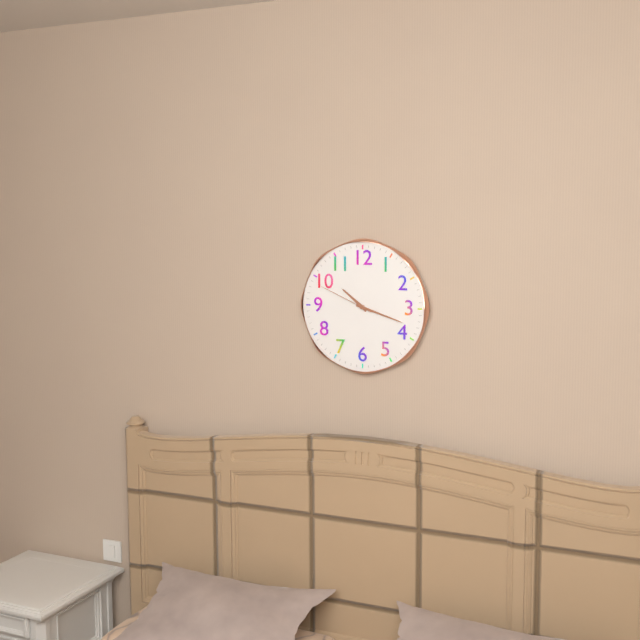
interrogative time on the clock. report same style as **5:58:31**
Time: **10:18:49**
